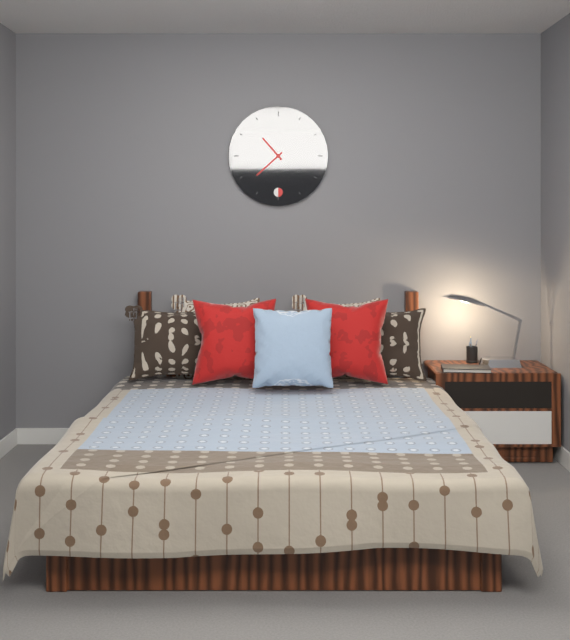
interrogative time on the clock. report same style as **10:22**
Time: **10:38**
